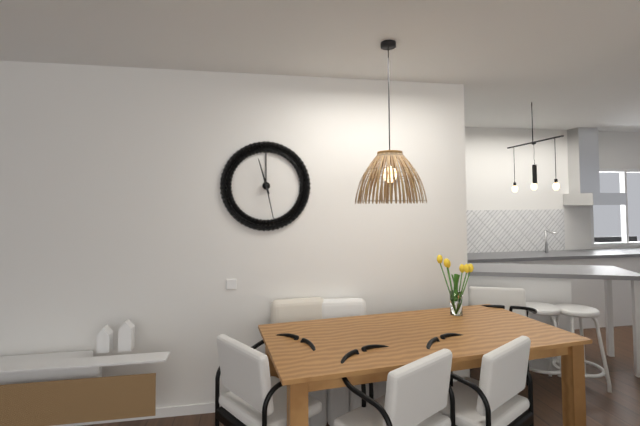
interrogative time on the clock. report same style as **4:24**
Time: **11:28**
